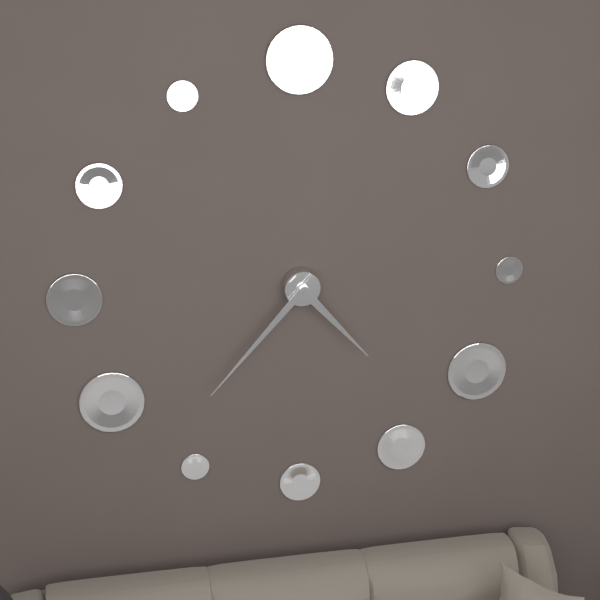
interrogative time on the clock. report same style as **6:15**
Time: **4:37**
